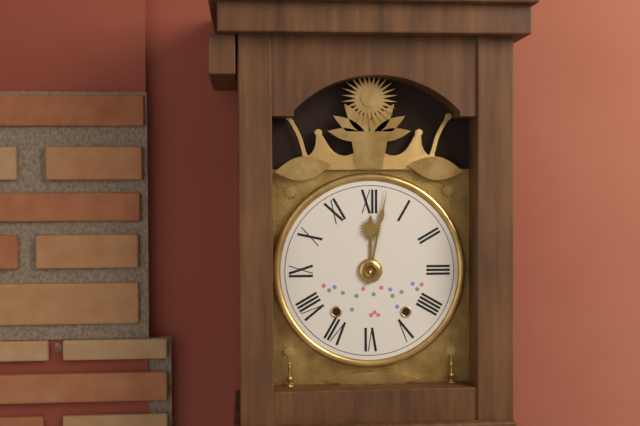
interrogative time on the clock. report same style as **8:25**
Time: **12:02**
